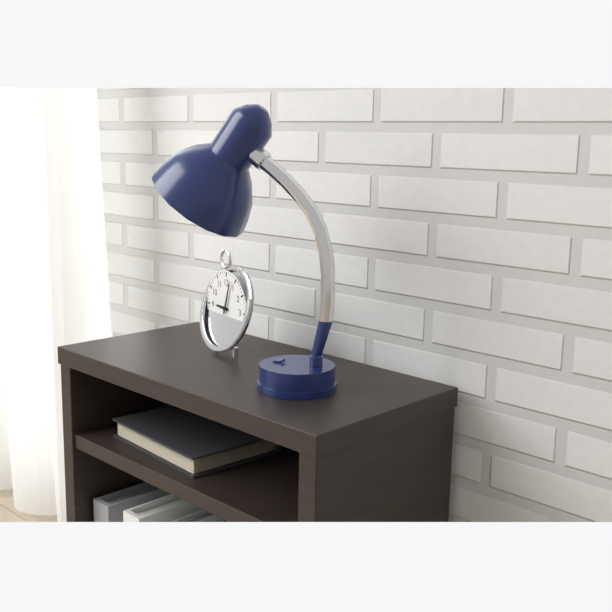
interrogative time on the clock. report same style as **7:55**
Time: **9:03**
